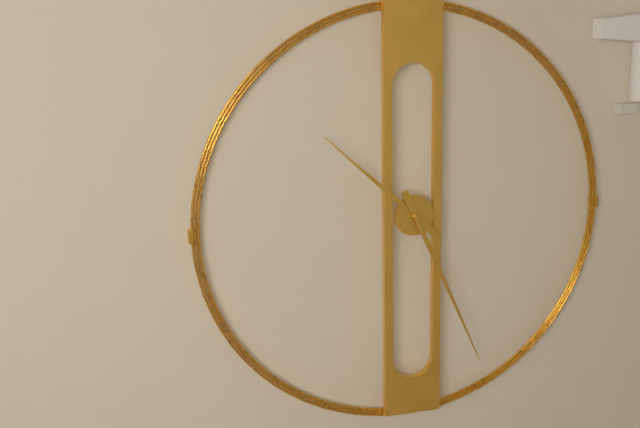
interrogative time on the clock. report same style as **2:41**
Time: **10:26**
